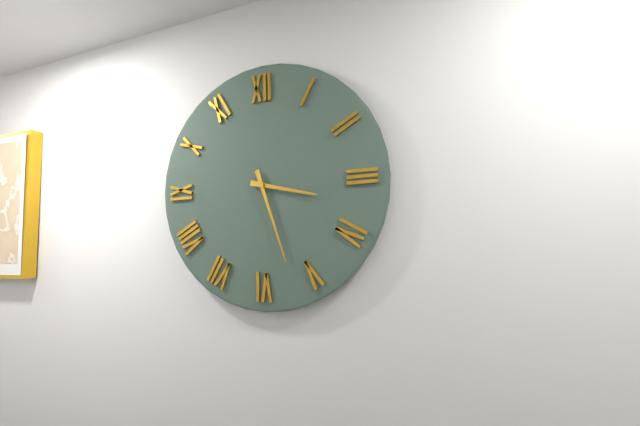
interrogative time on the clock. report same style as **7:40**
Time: **3:27**
